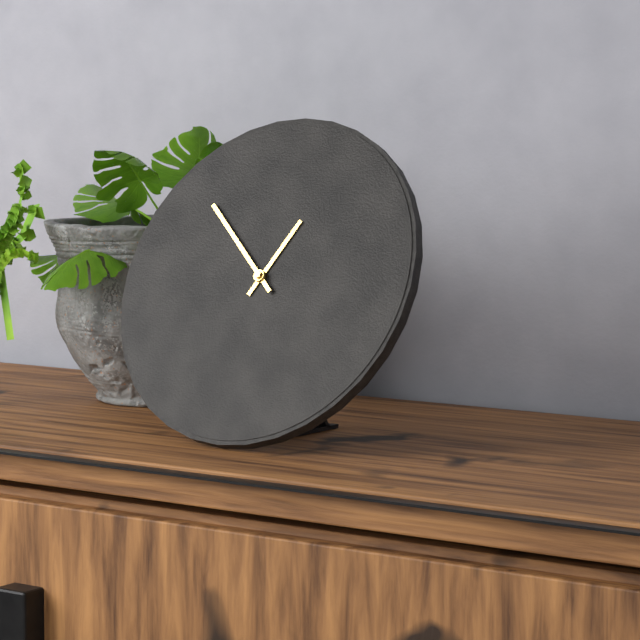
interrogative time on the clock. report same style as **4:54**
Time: **12:52**
